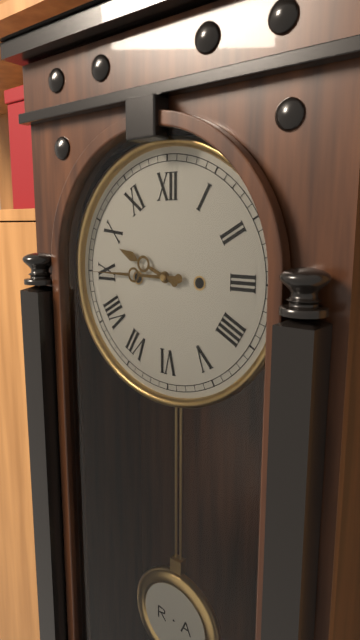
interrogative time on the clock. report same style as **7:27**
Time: **9:45**
